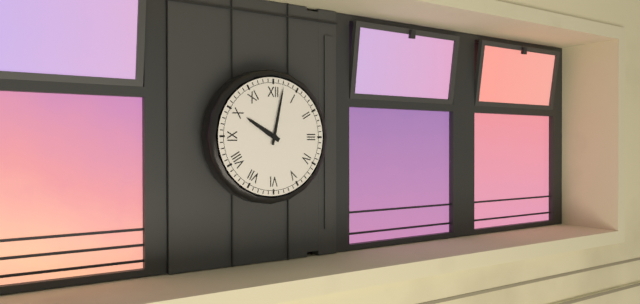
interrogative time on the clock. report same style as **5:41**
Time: **10:02**
